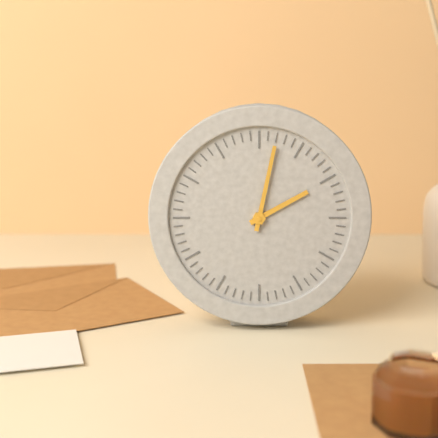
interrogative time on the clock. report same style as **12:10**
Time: **2:02**
